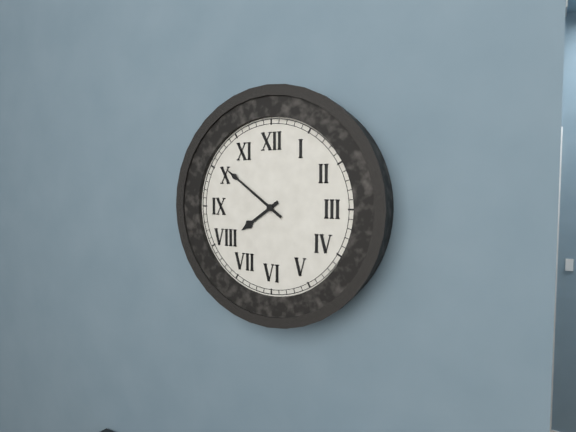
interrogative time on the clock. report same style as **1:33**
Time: **7:51**
